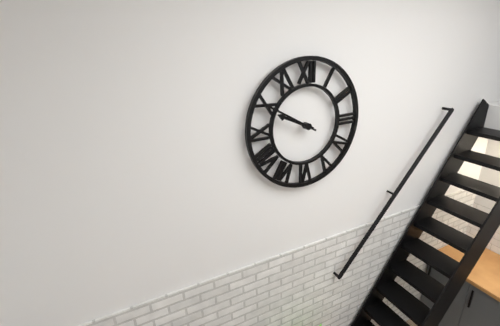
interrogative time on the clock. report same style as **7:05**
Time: **9:50**
